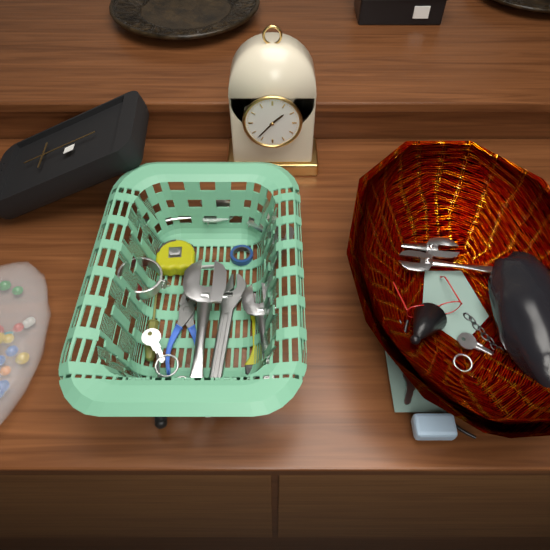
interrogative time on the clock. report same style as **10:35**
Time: **1:37**
